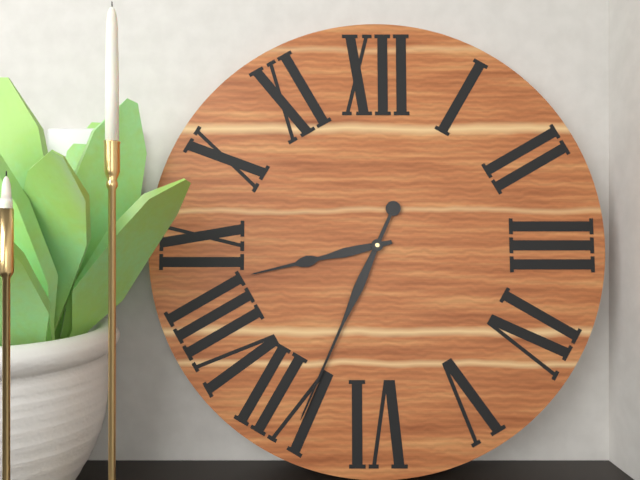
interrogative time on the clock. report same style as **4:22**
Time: **8:34**
